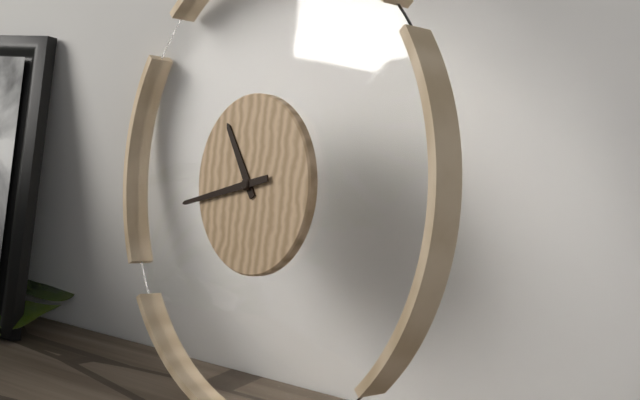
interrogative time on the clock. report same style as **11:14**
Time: **10:42**
